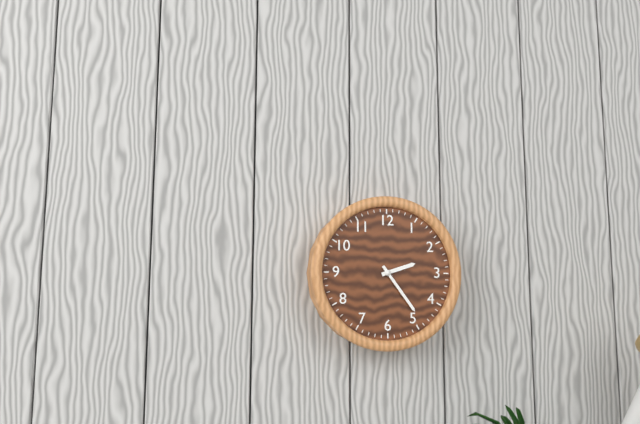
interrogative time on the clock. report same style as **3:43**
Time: **2:24**
